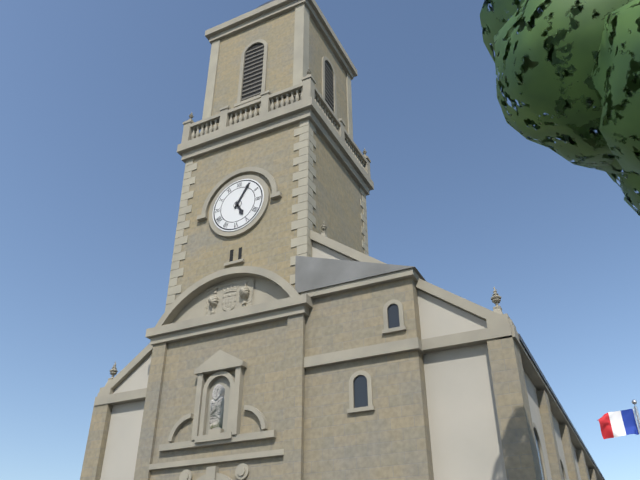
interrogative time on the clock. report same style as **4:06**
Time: **5:05**
